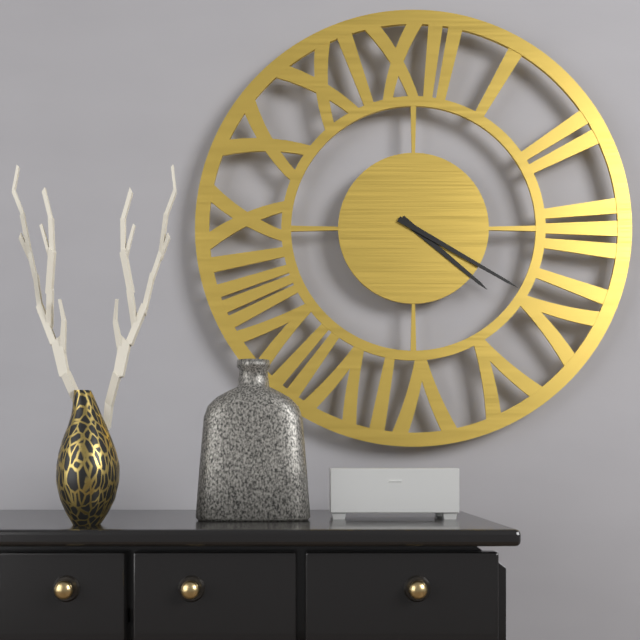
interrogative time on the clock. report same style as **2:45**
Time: **4:20**
